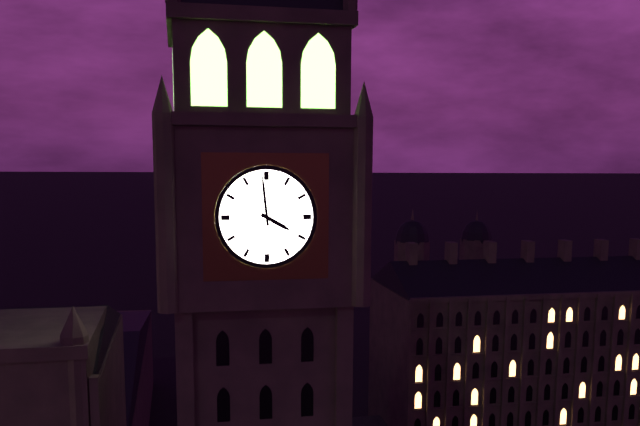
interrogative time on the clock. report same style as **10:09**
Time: **3:59**
